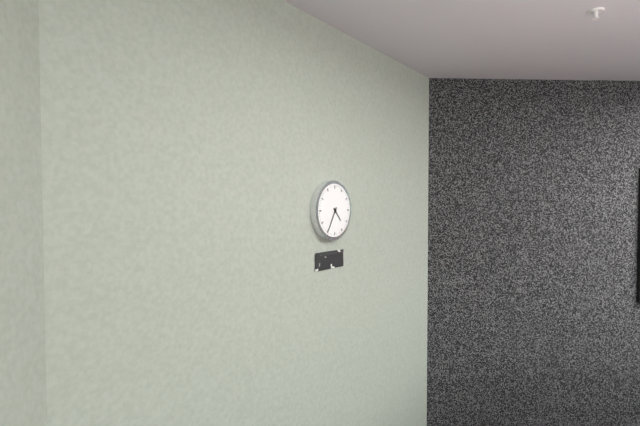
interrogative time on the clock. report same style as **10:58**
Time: **4:35**
